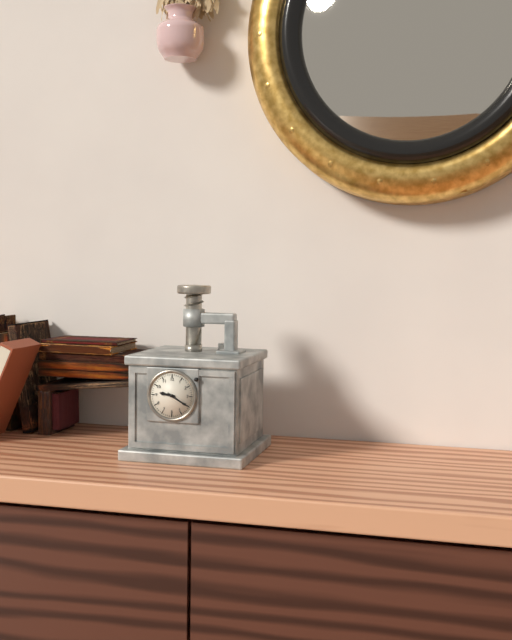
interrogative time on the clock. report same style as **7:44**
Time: **9:20**
